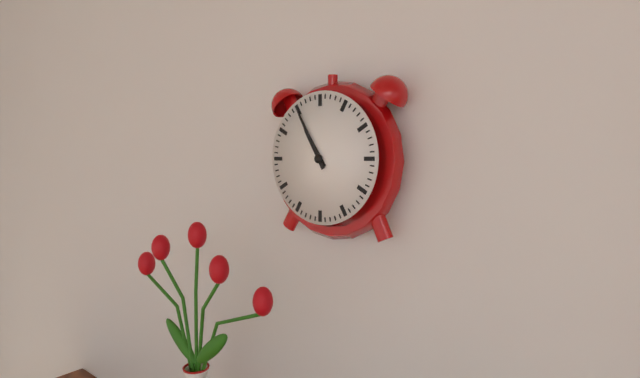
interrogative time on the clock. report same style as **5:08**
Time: **10:55**
